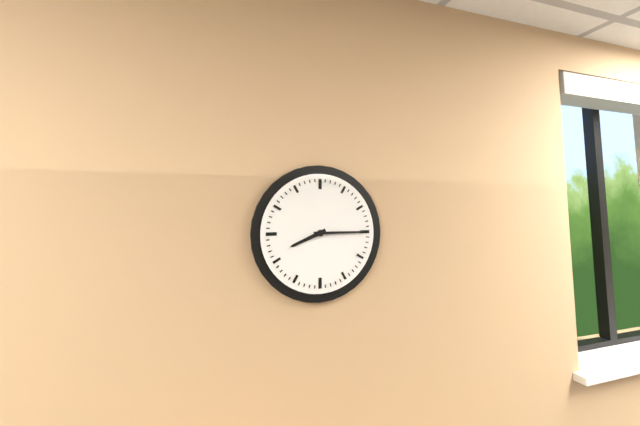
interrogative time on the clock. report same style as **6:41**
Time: **8:15**
